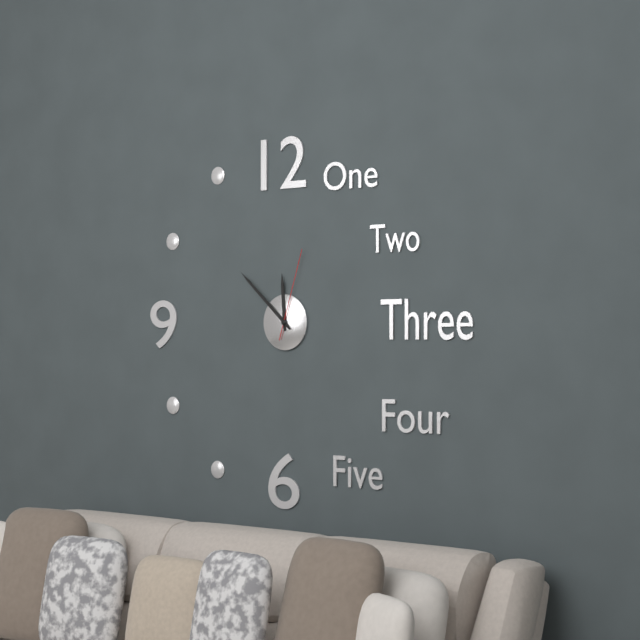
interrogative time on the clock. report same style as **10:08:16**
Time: **11:52:03**
